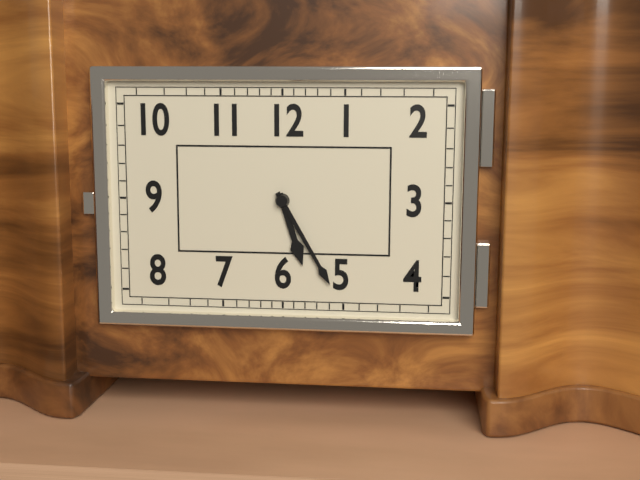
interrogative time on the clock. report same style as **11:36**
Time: **5:25**
